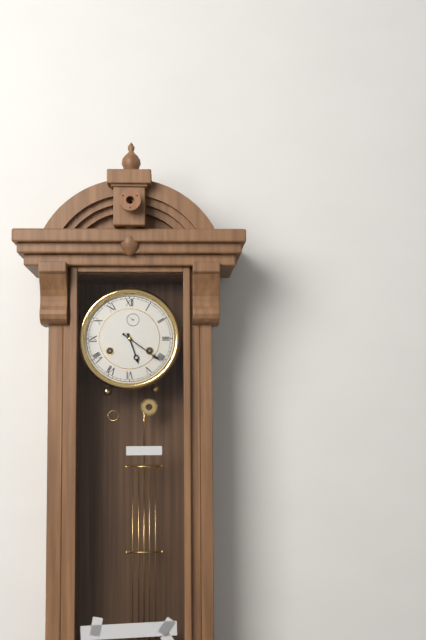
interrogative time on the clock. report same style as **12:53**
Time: **5:21**
